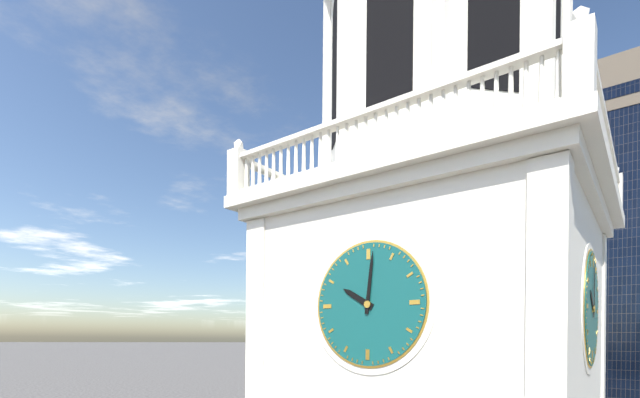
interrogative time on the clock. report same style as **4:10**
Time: **10:01**
